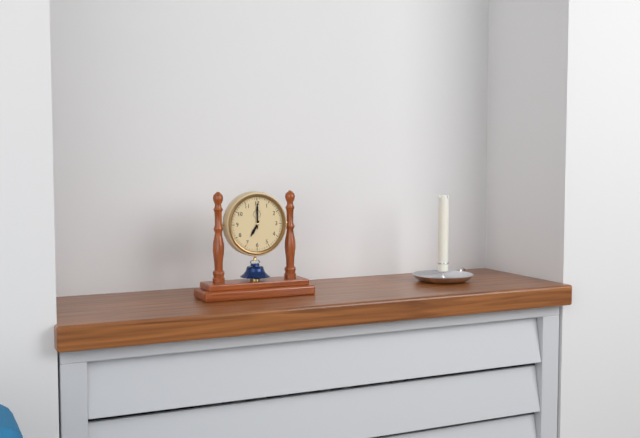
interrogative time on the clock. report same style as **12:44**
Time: **7:00**
